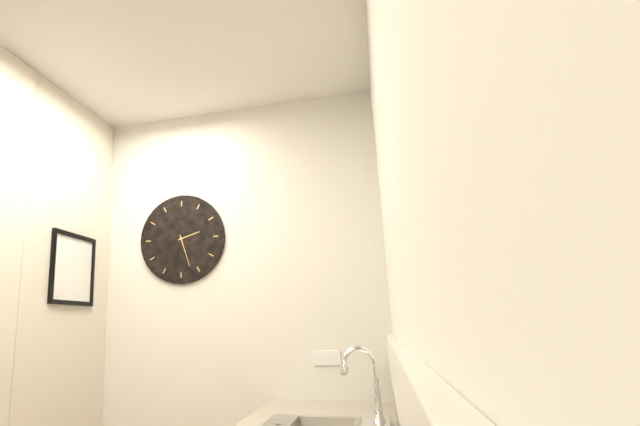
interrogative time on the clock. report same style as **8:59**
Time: **2:27**
